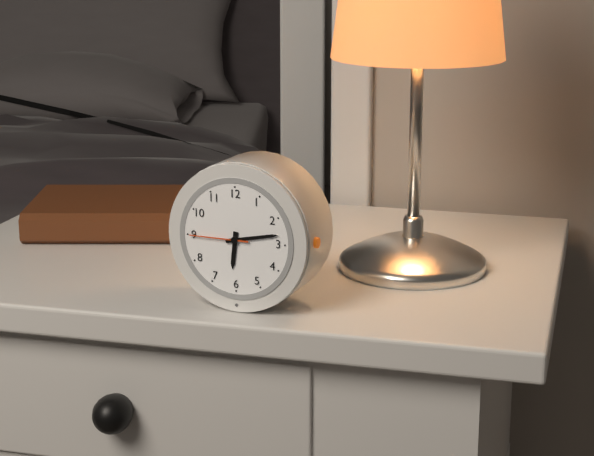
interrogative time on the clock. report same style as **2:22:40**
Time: **6:13:45**
